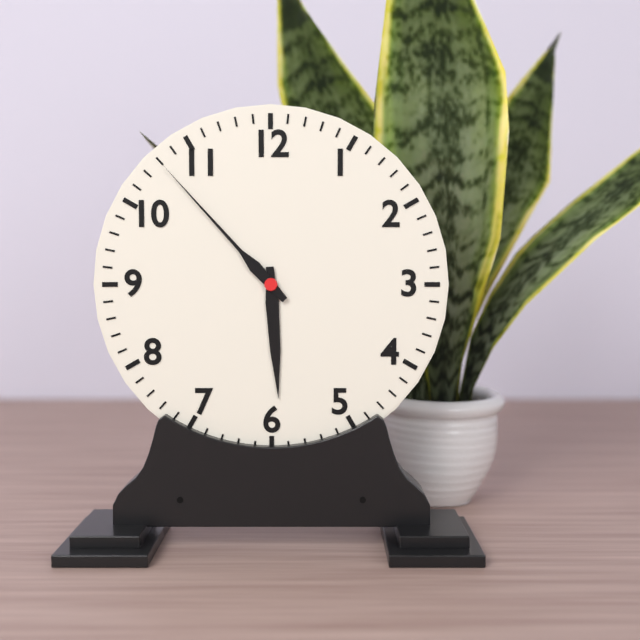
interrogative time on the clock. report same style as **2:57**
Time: **5:53**
